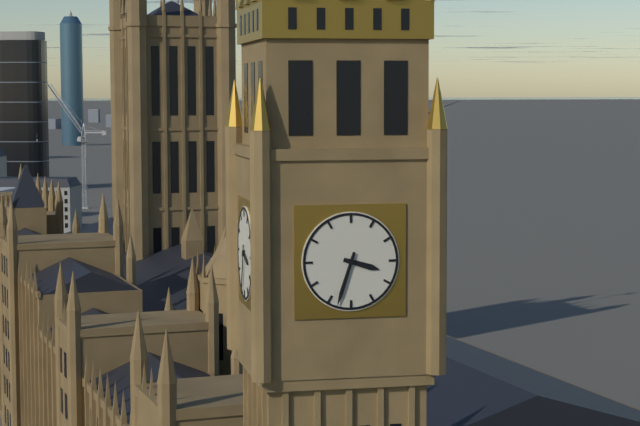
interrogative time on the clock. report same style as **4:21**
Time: **3:33**
